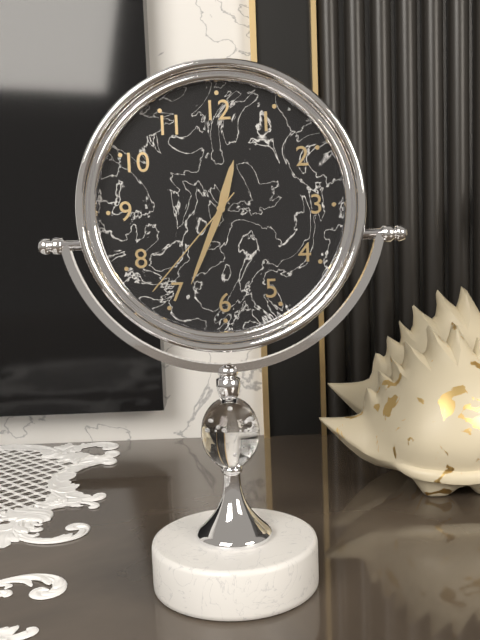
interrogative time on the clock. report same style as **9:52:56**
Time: **12:34:37**
